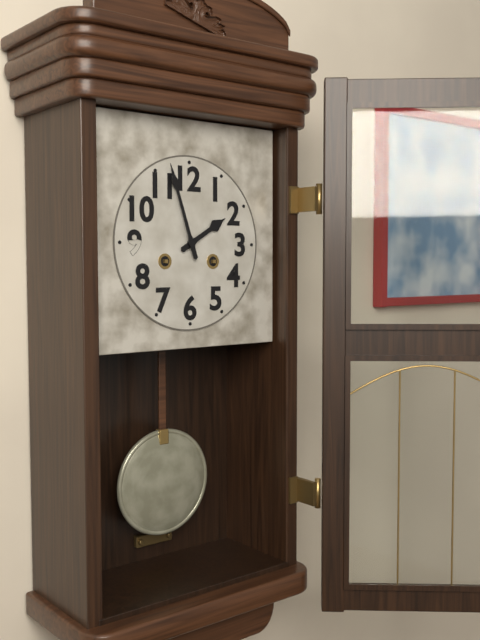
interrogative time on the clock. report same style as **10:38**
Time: **1:57**
